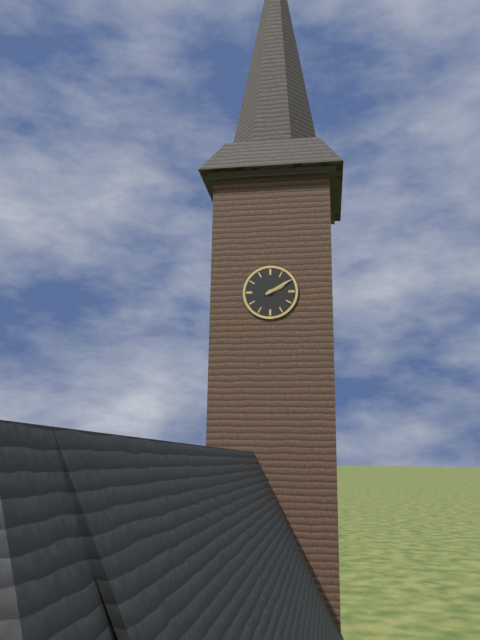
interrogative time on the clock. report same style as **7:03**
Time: **2:10**
